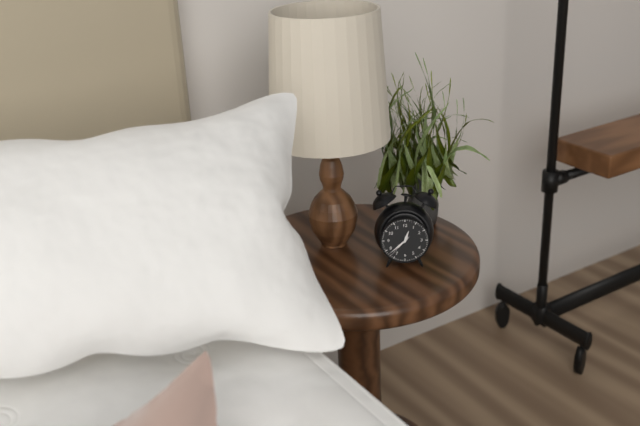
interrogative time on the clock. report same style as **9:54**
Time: **12:38**
